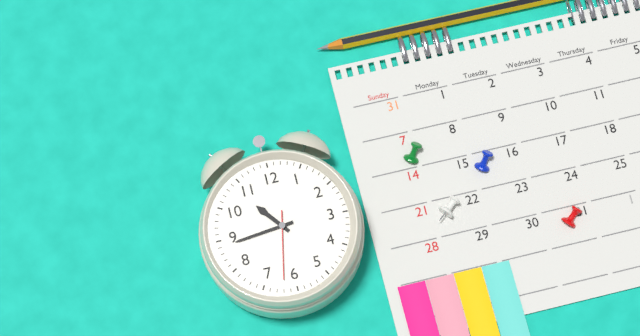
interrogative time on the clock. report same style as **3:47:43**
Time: **10:44:32**
